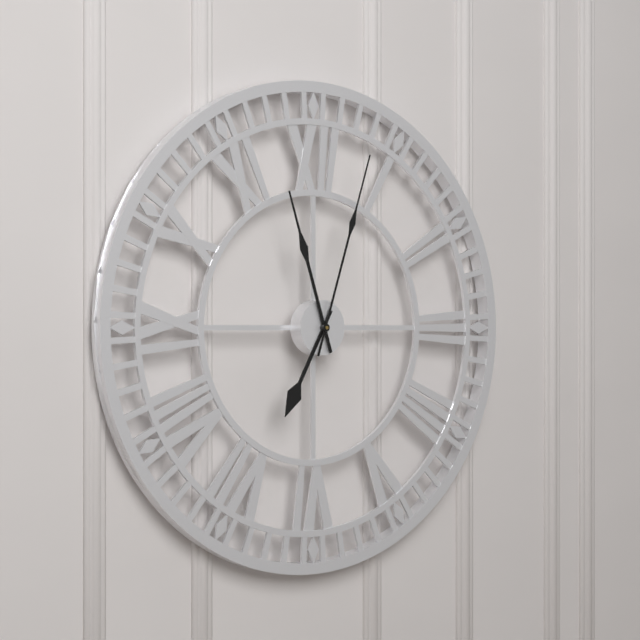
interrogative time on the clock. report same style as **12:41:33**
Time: **6:57:03**
